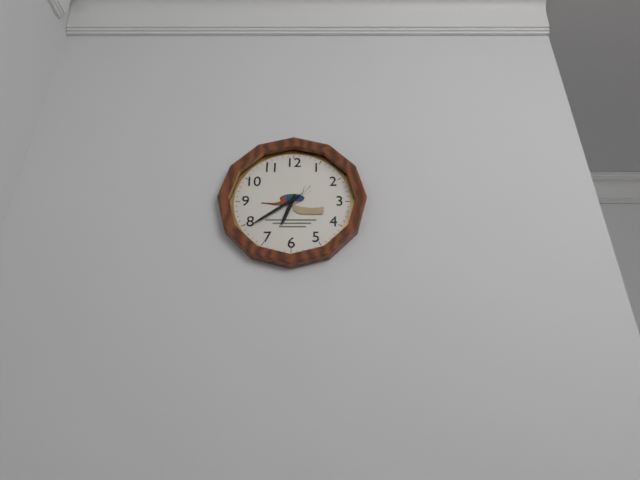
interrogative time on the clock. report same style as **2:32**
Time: **6:39**
